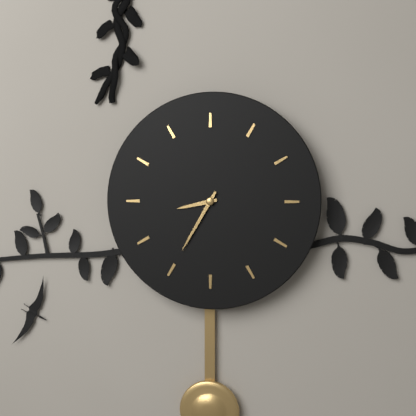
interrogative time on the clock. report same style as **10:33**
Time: **8:35**
